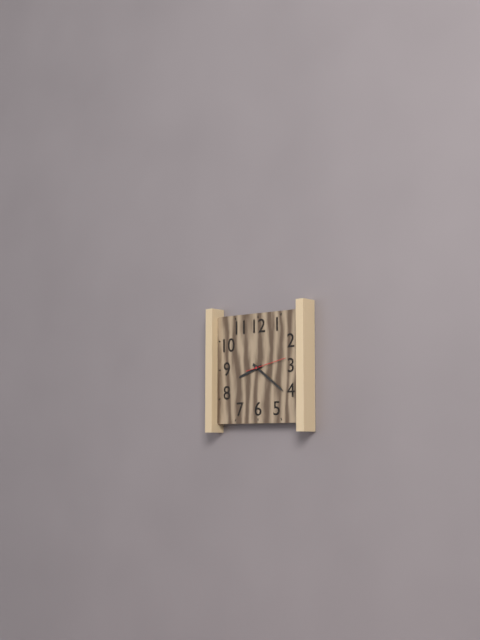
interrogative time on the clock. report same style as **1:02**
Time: **8:21**
